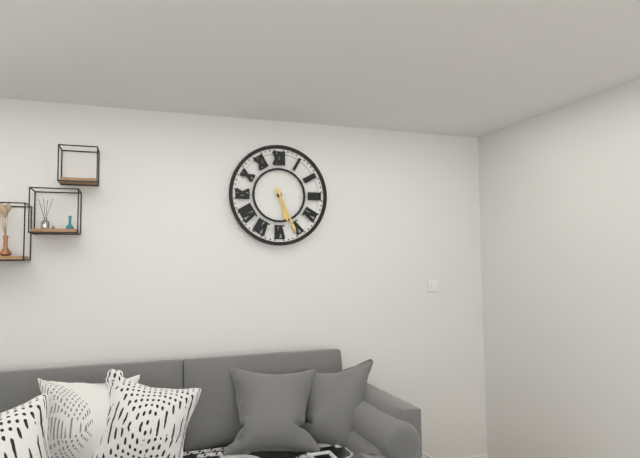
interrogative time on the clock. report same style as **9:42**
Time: **5:26**
